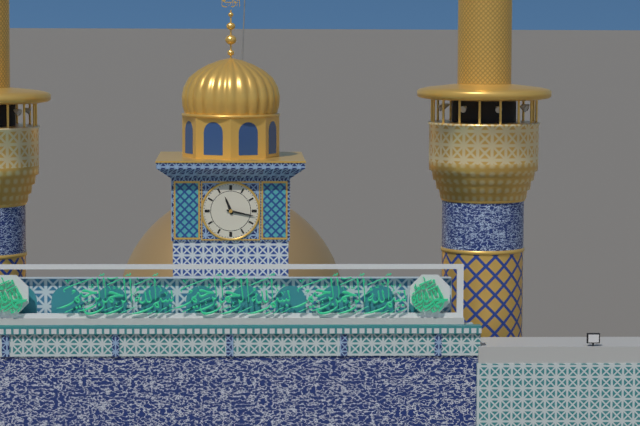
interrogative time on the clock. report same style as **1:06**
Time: **11:17**
